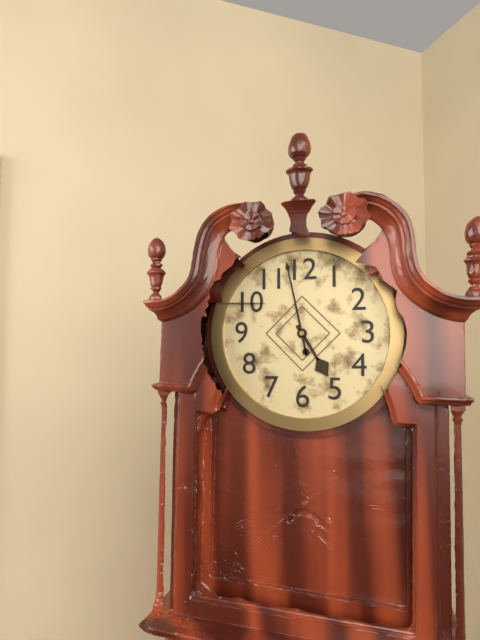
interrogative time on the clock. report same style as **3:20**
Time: **4:58**
